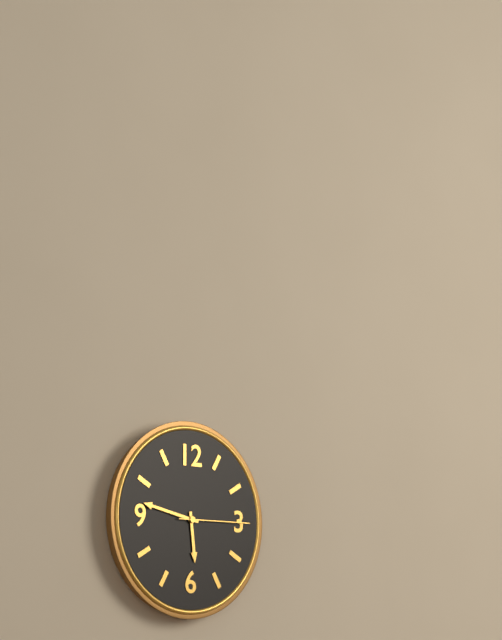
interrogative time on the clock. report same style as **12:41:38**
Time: **5:47:15**
